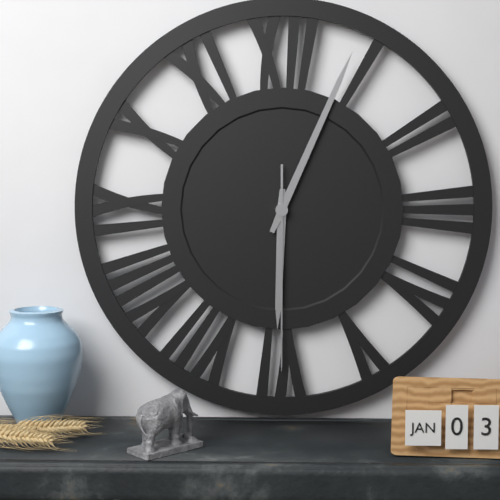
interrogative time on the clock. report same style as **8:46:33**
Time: **6:04:30**
